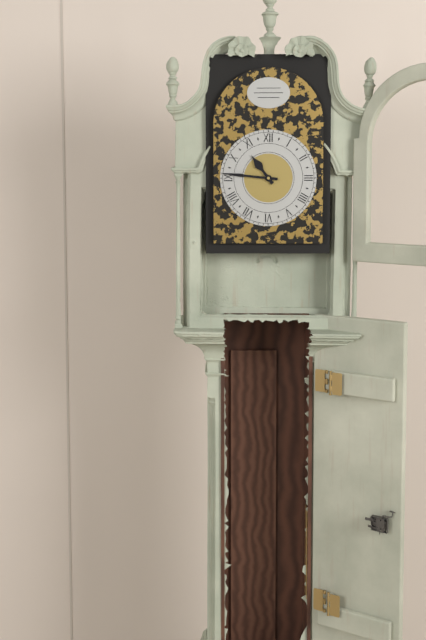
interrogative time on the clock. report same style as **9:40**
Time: **10:46**
